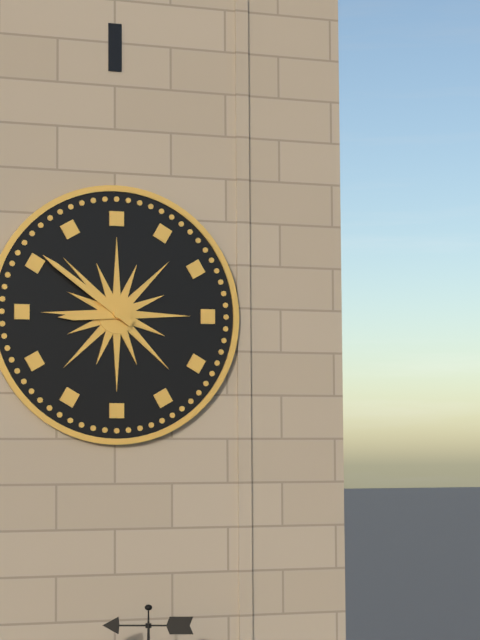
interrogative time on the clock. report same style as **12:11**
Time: **8:51**
